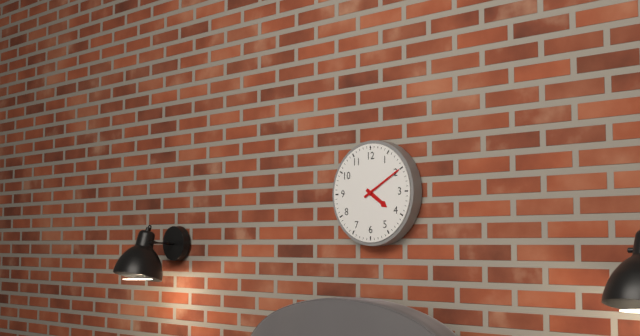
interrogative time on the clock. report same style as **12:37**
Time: **4:10**
